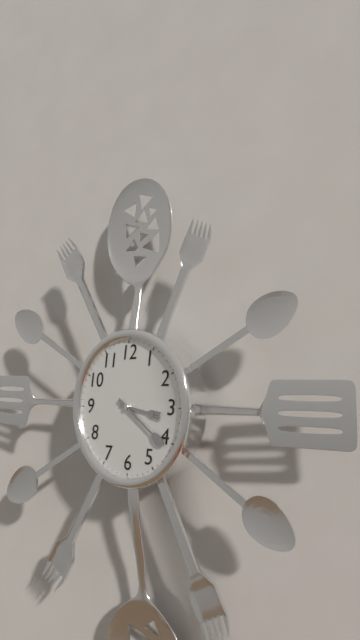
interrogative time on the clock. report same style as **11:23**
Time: **3:21**
